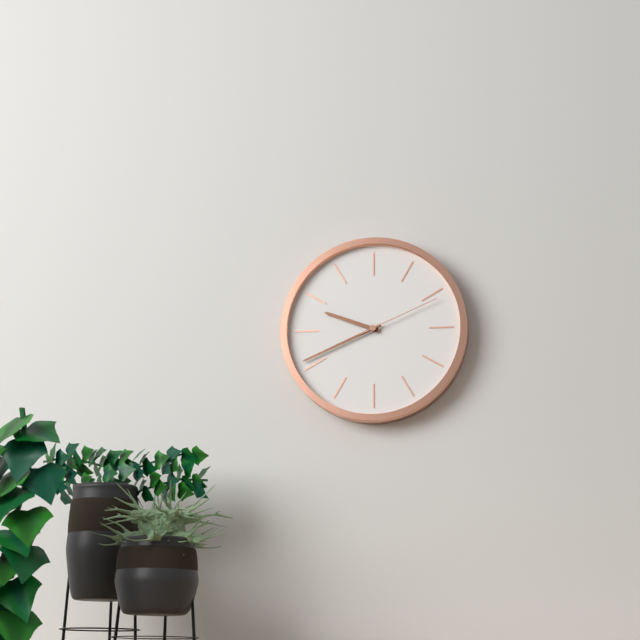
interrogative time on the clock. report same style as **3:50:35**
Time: **9:41:11**
